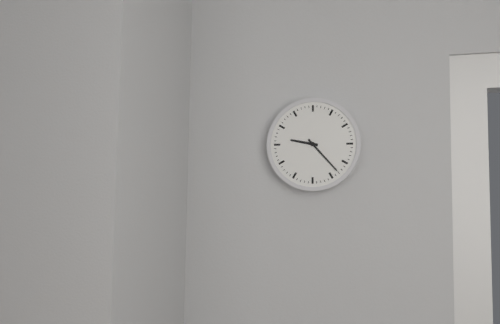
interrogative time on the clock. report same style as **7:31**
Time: **9:23**
